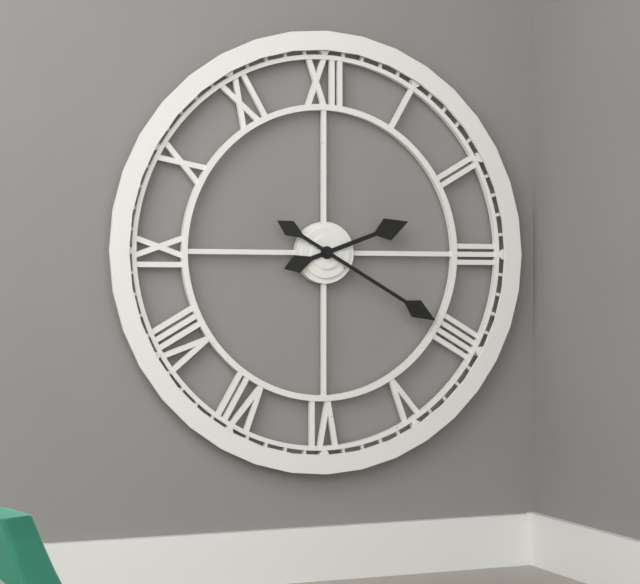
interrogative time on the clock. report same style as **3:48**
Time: **2:20**
